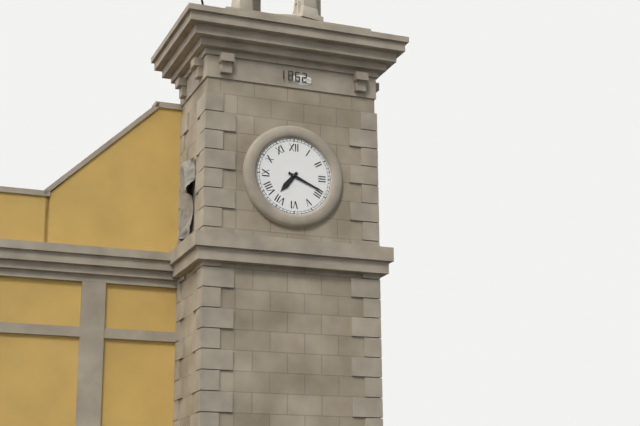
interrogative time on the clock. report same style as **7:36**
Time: **7:19**
